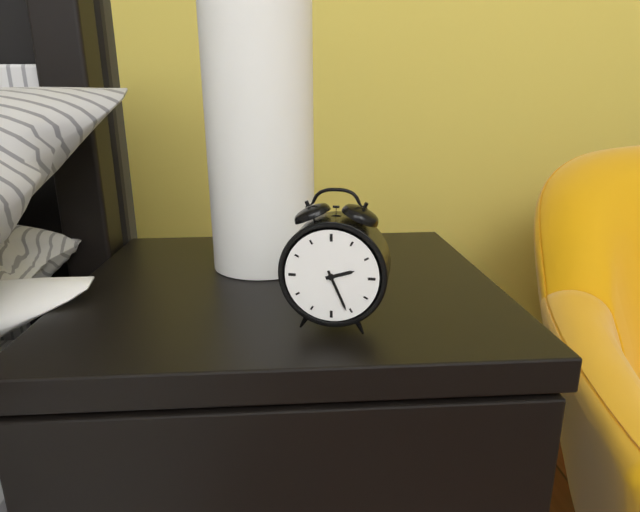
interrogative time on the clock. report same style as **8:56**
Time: **2:26**
